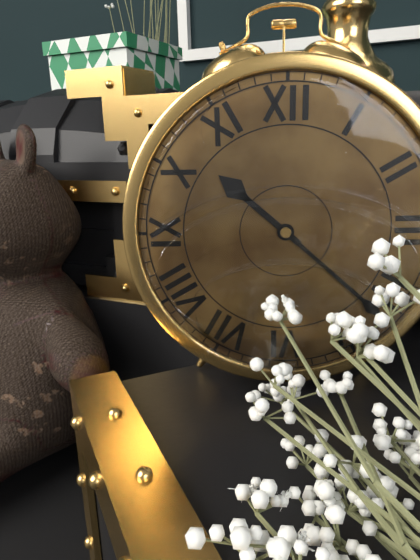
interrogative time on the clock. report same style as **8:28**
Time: **10:22**
